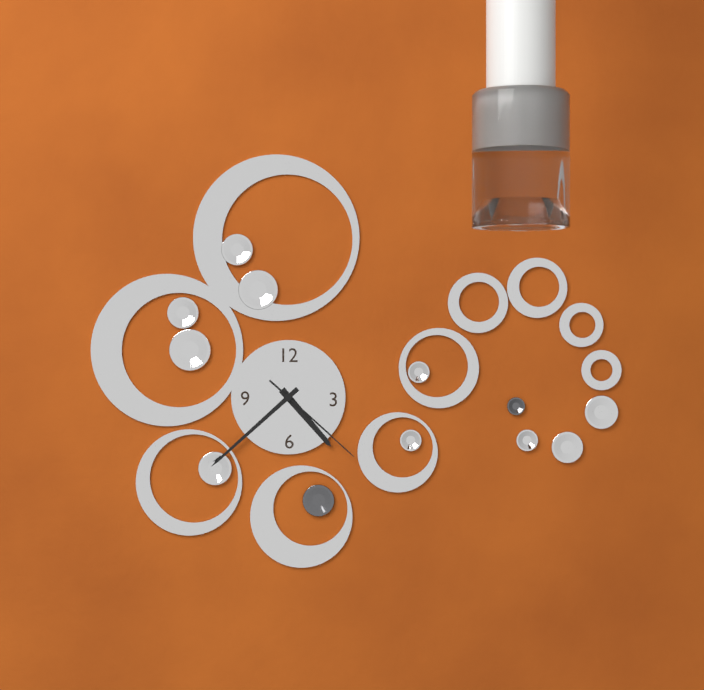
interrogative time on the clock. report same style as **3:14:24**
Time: **4:38:22**
